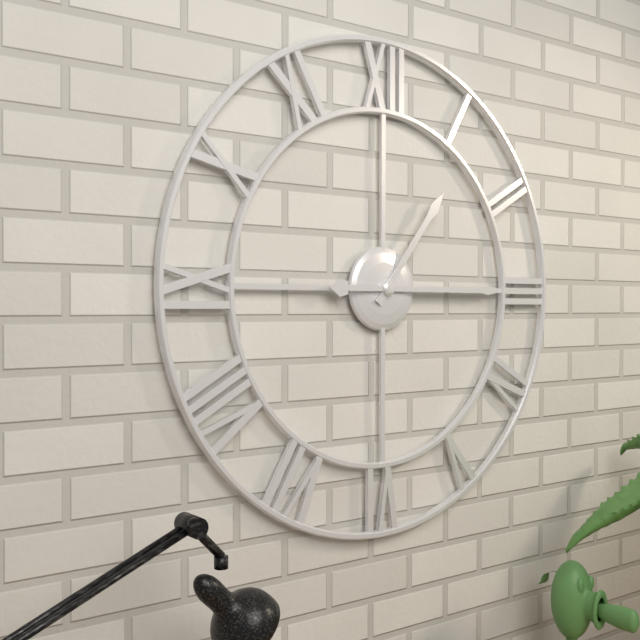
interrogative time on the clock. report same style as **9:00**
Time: **1:15**
